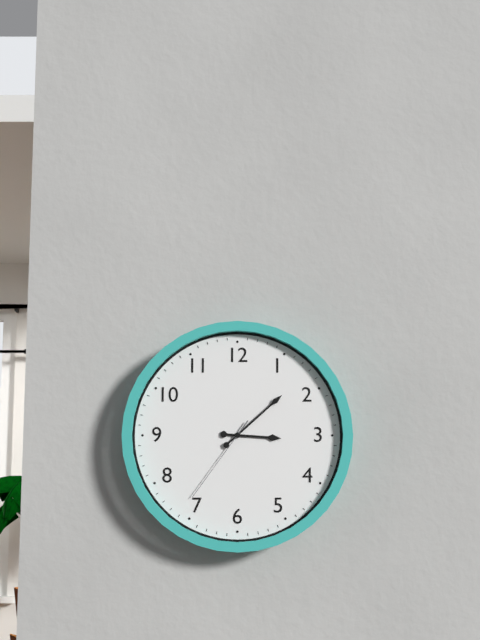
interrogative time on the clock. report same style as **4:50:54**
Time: **3:08:36**
